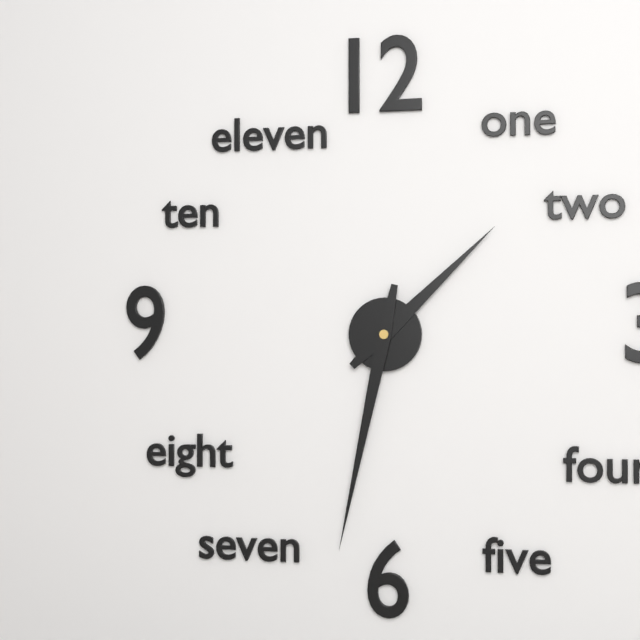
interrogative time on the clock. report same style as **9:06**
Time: **1:32**
